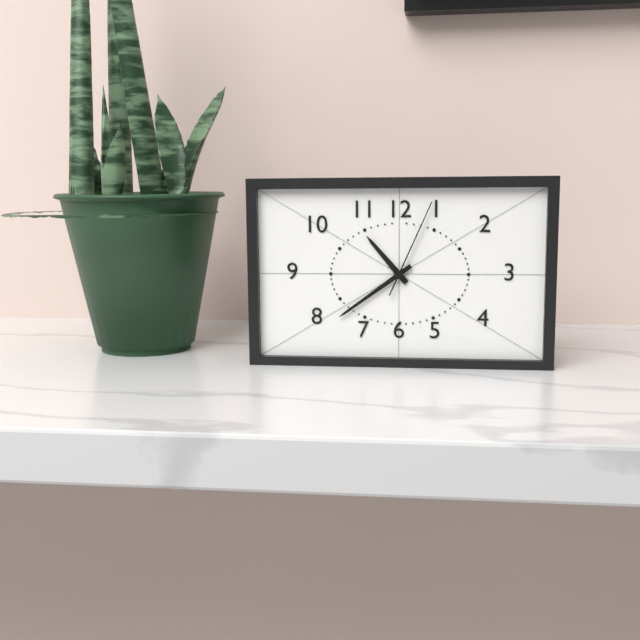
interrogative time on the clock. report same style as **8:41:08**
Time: **10:39:04**
